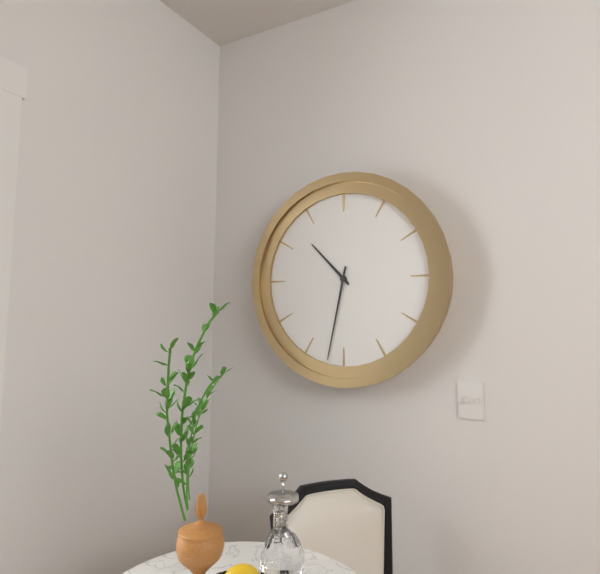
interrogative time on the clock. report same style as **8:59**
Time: **10:32**
